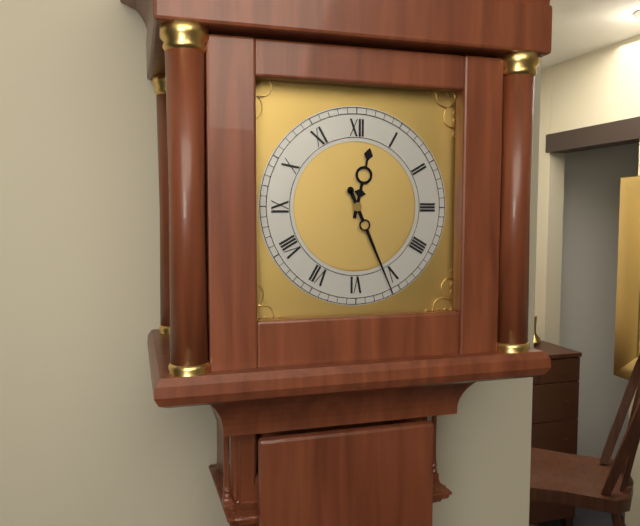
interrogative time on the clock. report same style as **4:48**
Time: **12:26**
